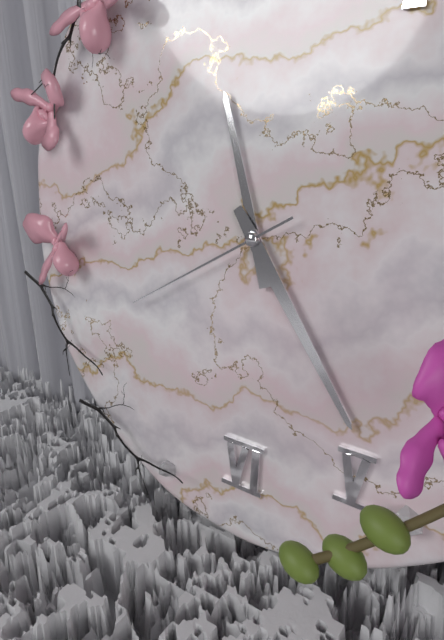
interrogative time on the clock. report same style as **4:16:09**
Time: **11:24:40**
